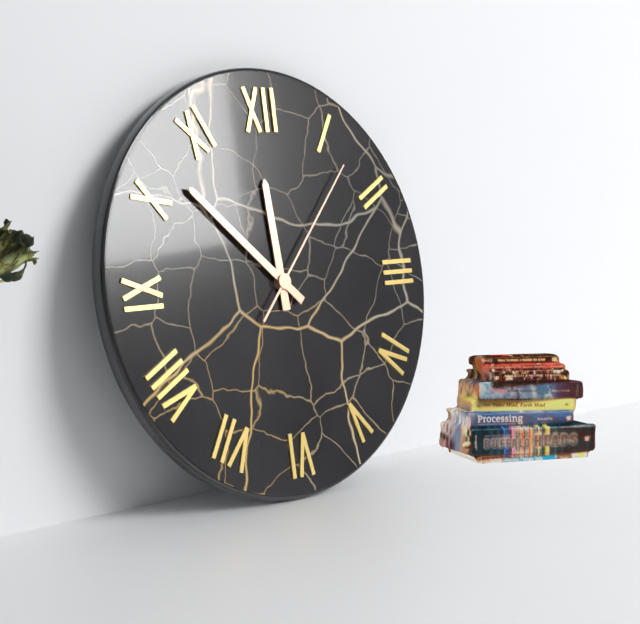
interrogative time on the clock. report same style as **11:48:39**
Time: **11:52:07**
